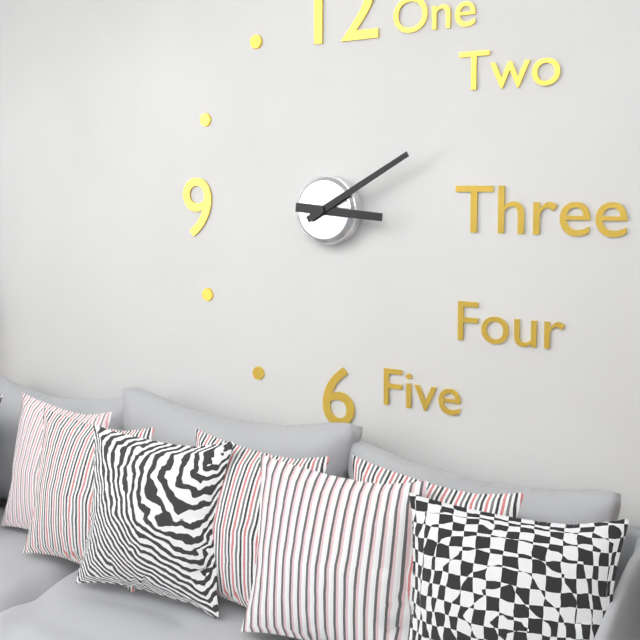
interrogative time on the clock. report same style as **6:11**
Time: **3:10**
